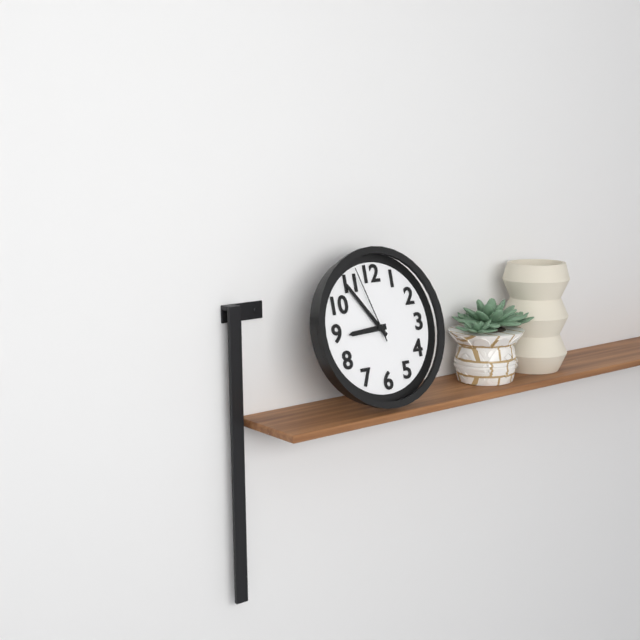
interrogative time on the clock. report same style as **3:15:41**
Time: **8:54:57**
